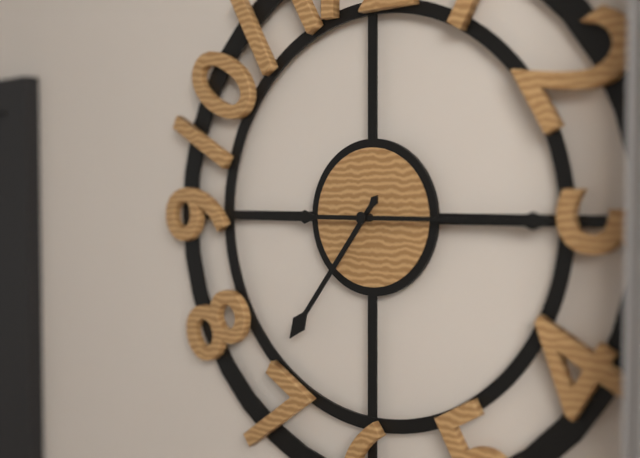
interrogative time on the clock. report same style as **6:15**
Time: **7:15**
